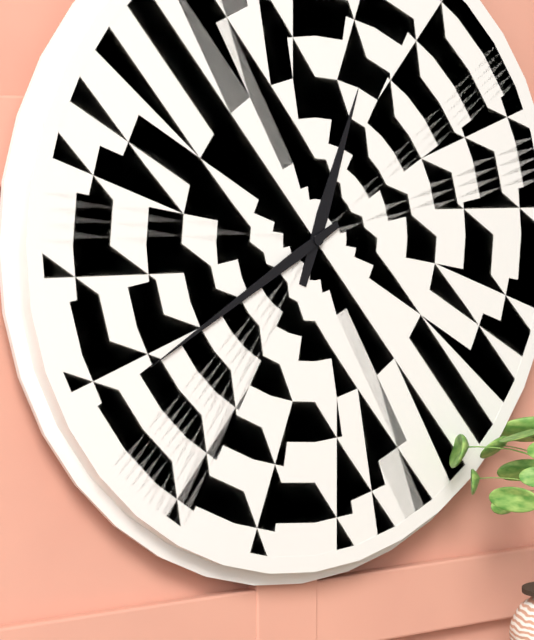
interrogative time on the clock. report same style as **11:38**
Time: **12:40**
